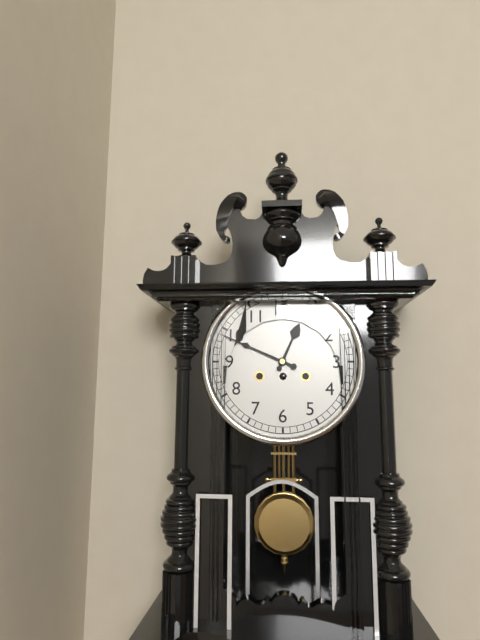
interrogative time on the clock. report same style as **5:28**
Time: **12:49**
